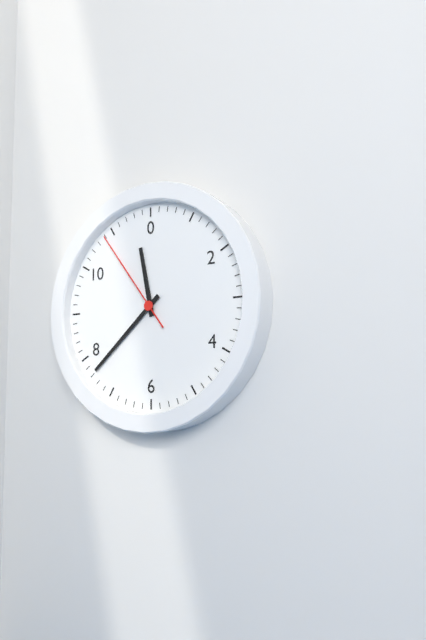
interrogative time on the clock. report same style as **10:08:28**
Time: **11:38:54**
